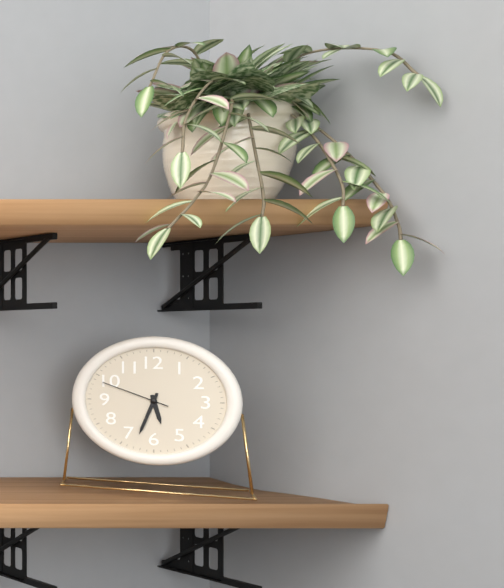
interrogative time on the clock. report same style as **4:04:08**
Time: **5:33:49**
